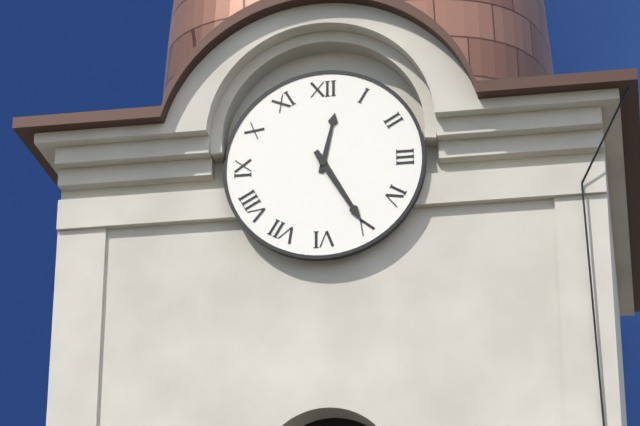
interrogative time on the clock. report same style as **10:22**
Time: **12:25**
